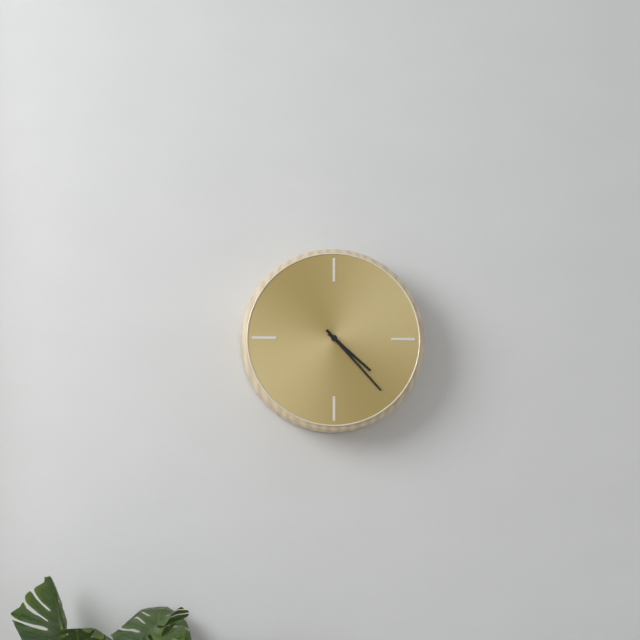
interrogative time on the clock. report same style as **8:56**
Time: **4:23**
